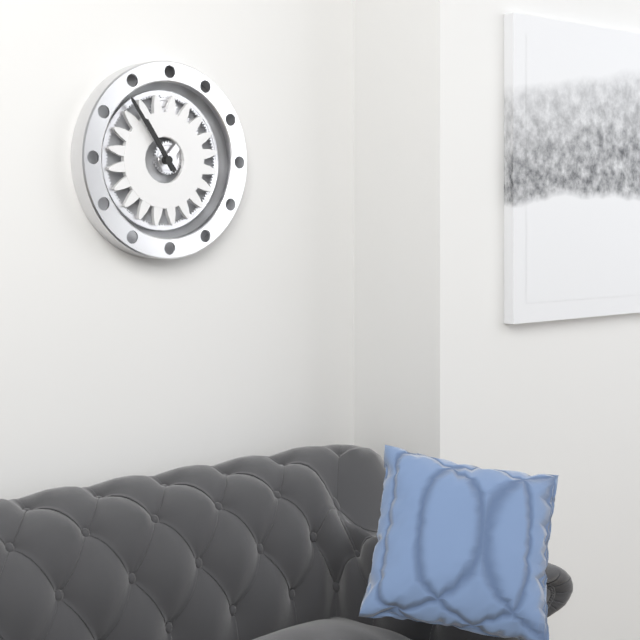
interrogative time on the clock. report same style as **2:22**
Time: **10:54**
